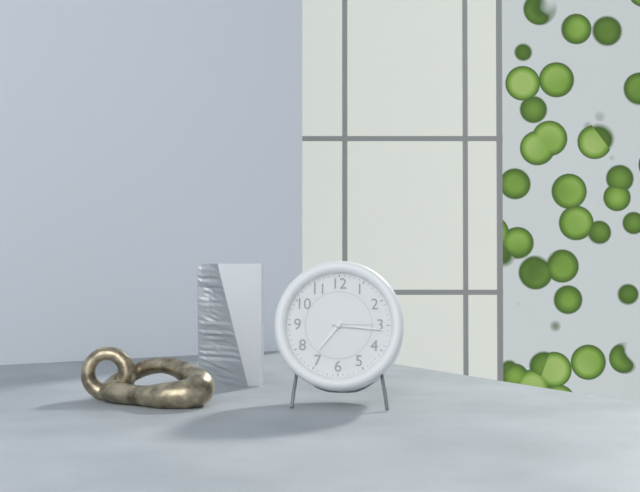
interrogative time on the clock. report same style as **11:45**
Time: **7:16**
